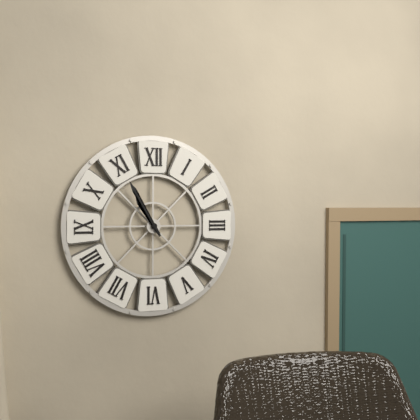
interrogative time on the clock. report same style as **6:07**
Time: **10:55**
